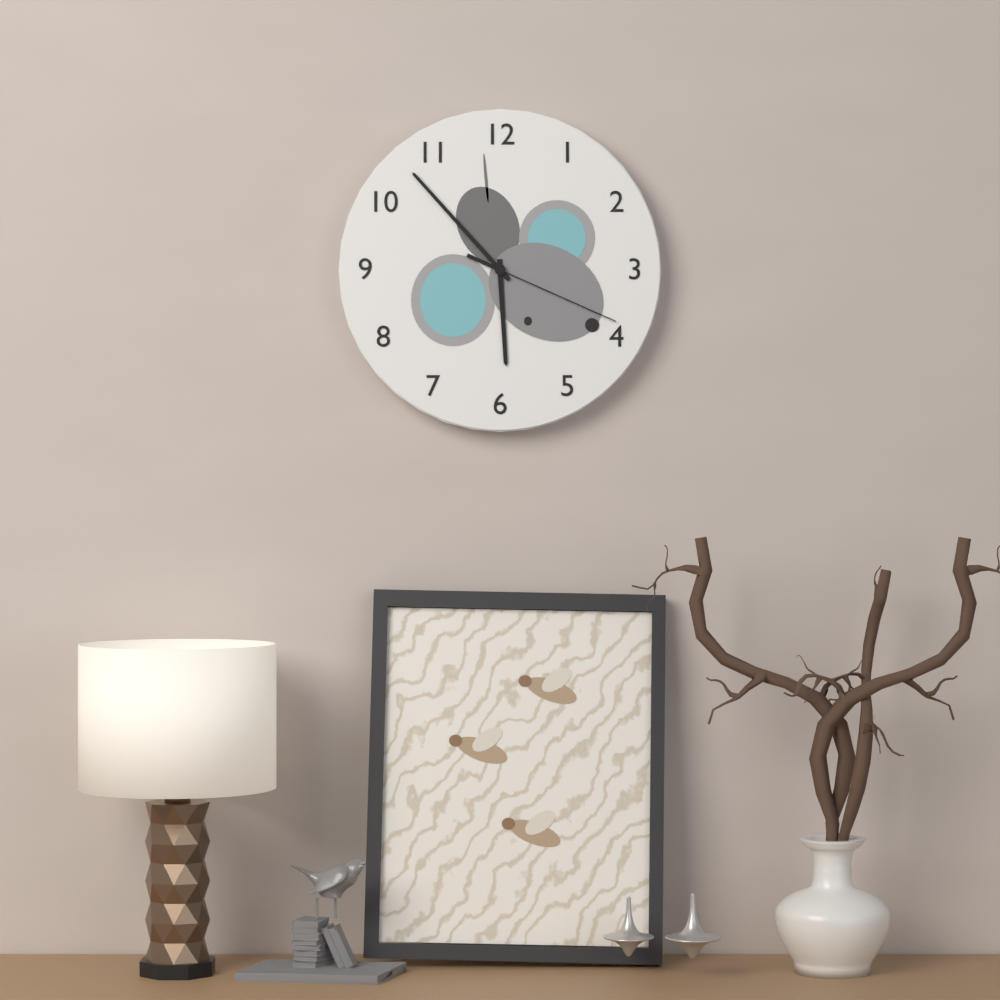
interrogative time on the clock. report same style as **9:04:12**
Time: **5:53:19**
